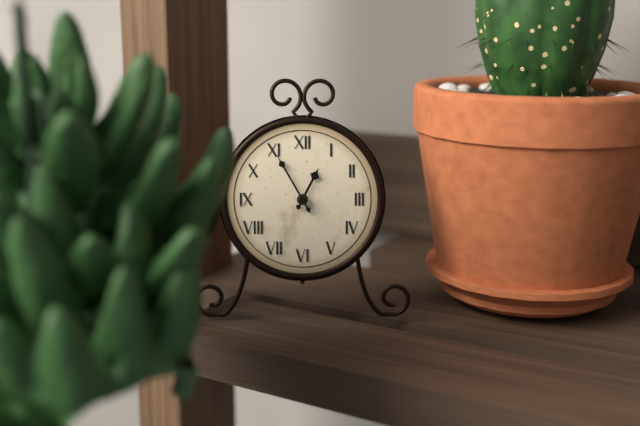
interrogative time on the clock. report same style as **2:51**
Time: **12:55**
